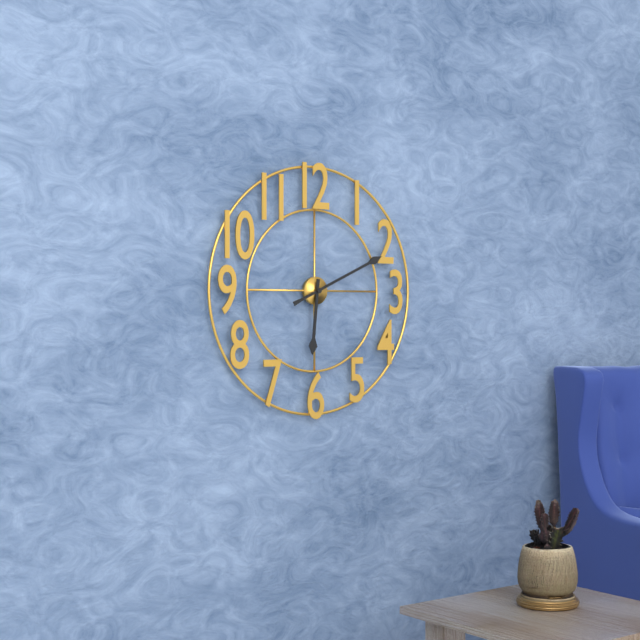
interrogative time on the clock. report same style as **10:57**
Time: **6:11**
